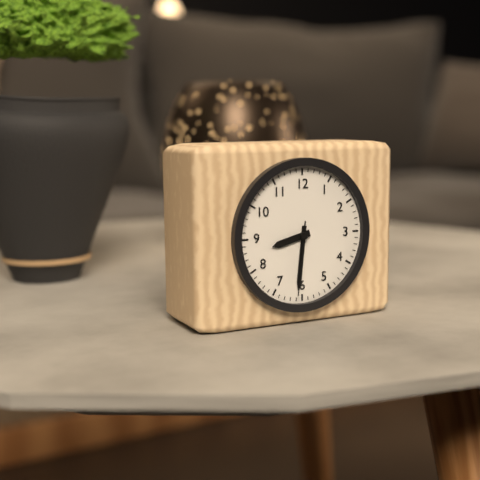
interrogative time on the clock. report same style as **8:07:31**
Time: **8:31:31**
